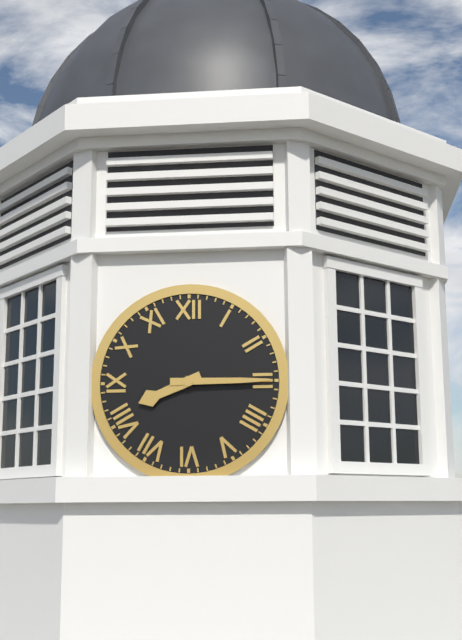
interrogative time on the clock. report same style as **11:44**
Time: **8:15**
